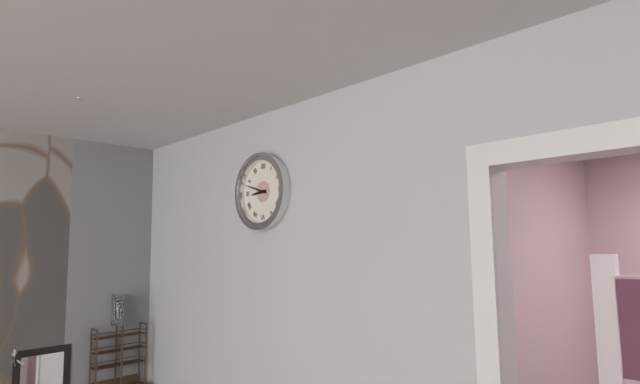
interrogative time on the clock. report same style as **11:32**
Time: **8:48**
